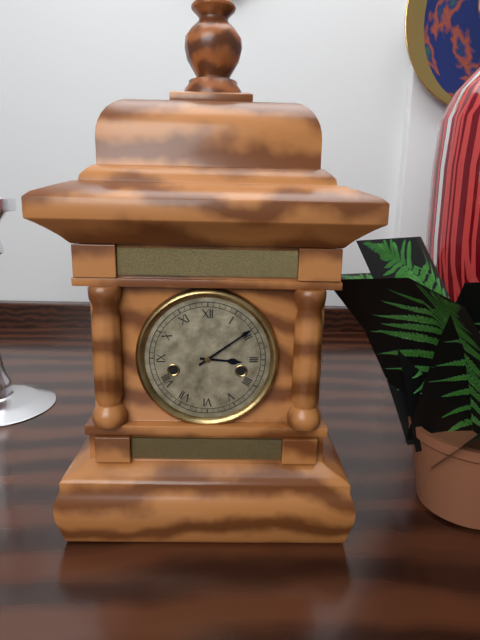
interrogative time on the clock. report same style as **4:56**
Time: **3:09**
